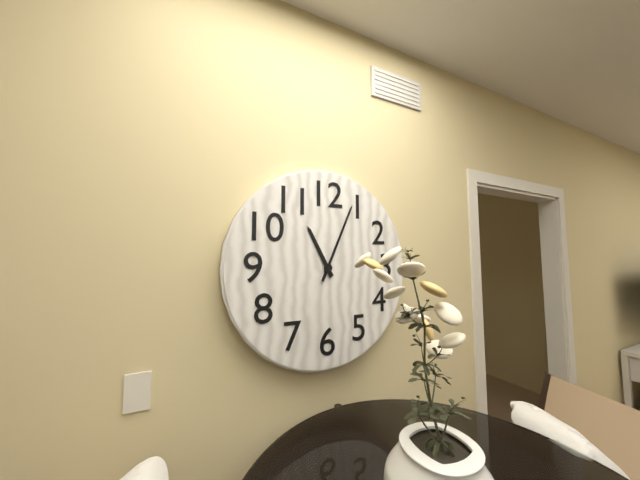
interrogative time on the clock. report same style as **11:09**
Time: **11:04**
